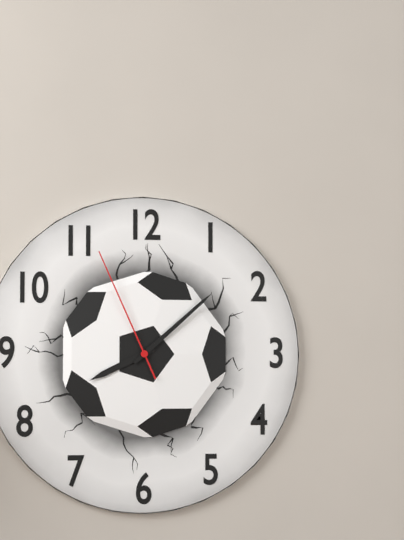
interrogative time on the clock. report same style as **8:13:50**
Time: **8:08:56**
